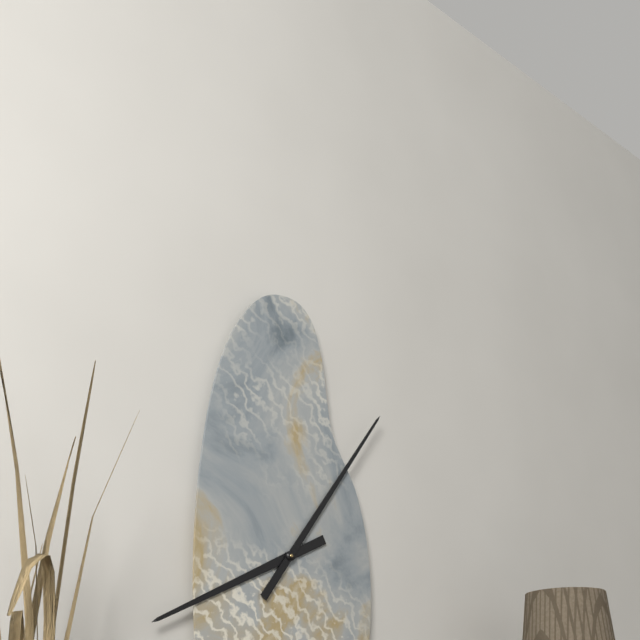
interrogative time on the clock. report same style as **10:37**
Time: **8:06**
